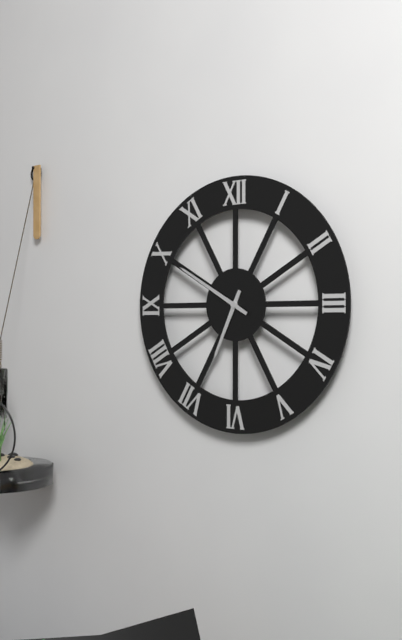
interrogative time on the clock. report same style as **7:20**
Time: **6:50**
